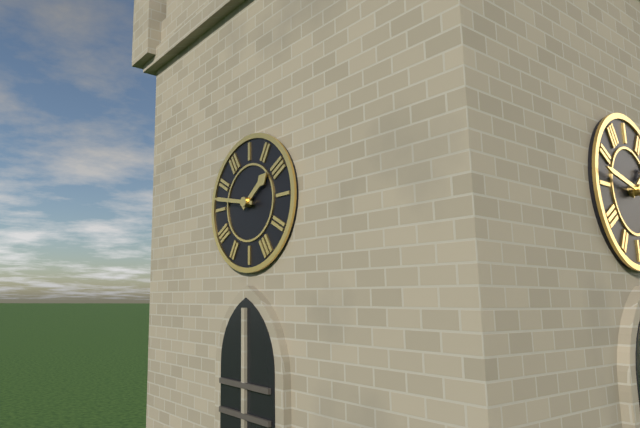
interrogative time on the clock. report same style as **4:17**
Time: **1:47**
